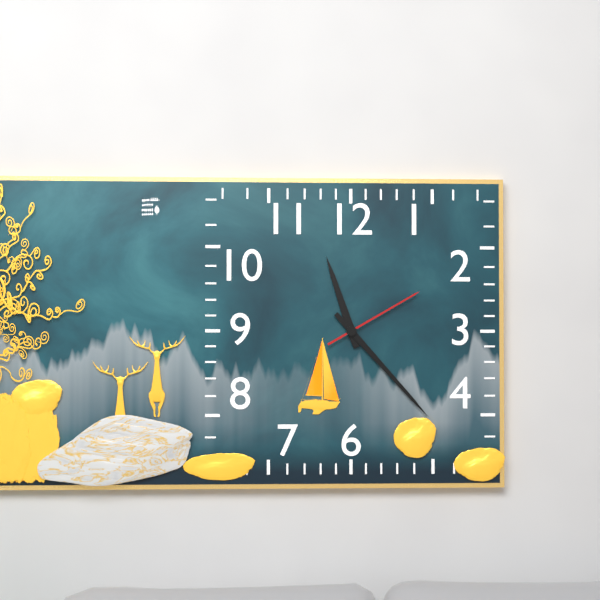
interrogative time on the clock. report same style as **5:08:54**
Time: **11:23:10**
